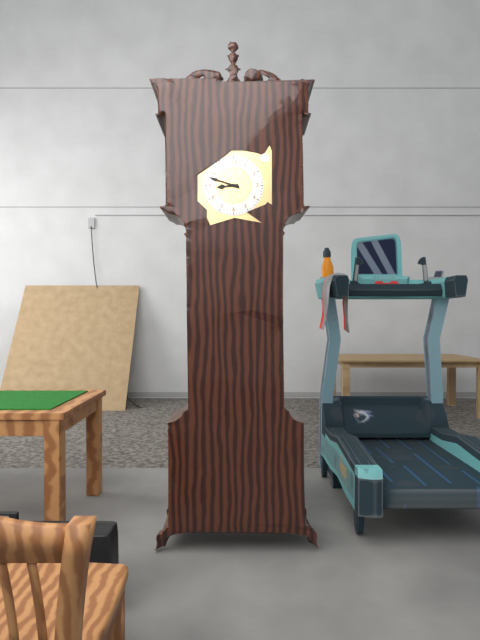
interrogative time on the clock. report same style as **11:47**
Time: **8:48**
